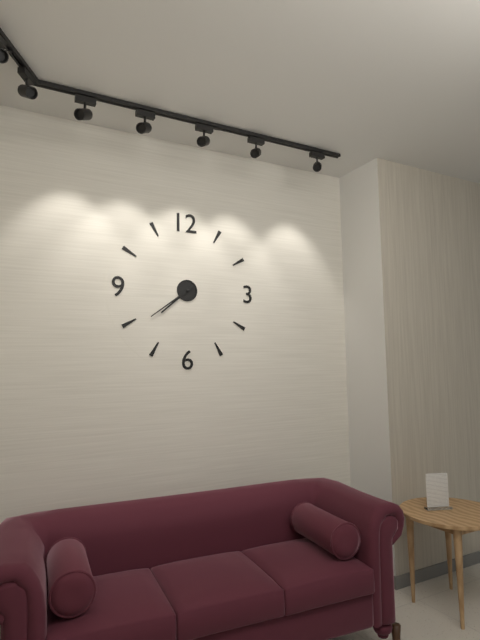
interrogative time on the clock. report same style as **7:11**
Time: **7:39**
